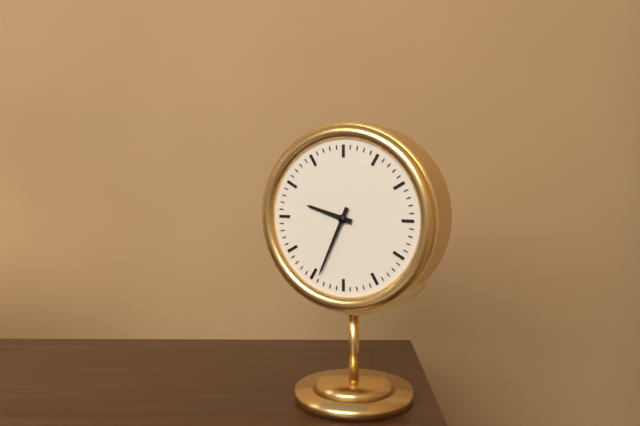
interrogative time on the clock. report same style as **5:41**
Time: **9:34**
